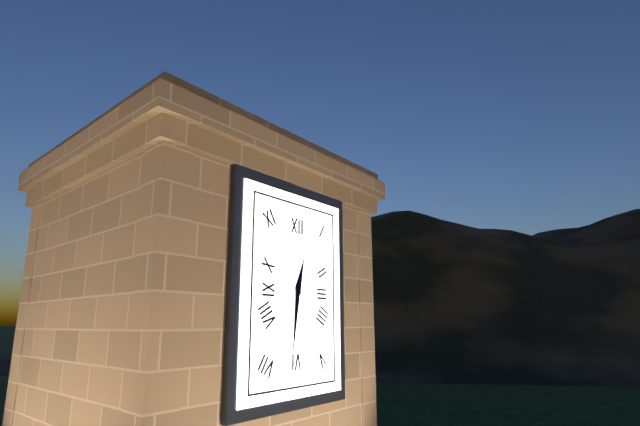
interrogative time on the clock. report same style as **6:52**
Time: **12:31**
